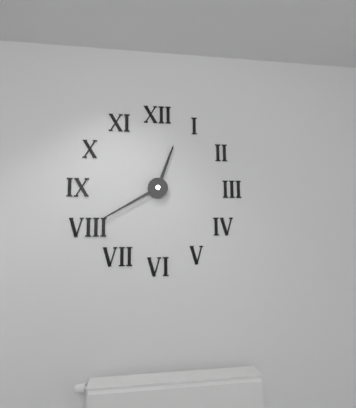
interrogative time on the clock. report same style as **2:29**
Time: **12:40**
